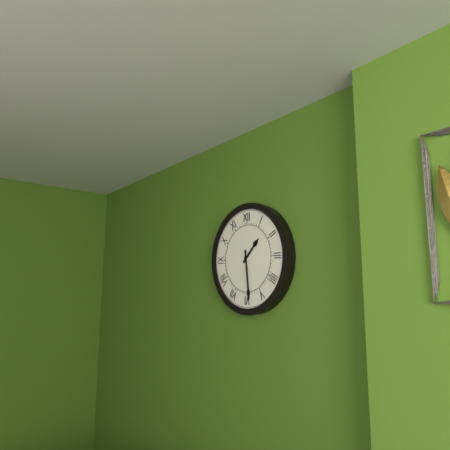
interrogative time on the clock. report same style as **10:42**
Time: **1:29**
